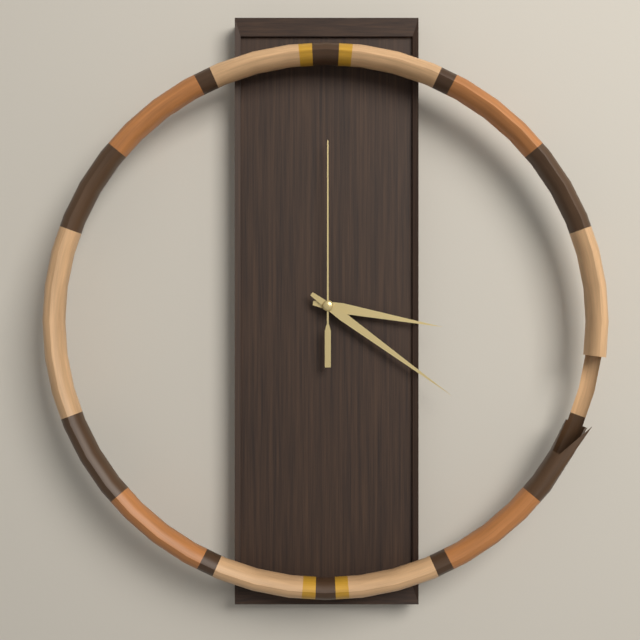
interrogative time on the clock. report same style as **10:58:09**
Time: **3:21:00**
